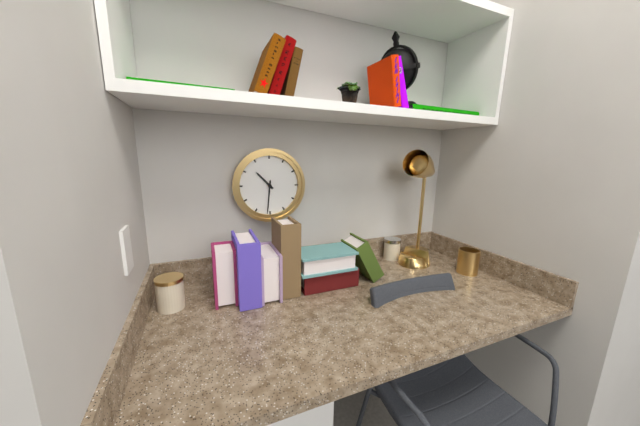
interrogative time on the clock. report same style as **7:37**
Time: **10:31**
